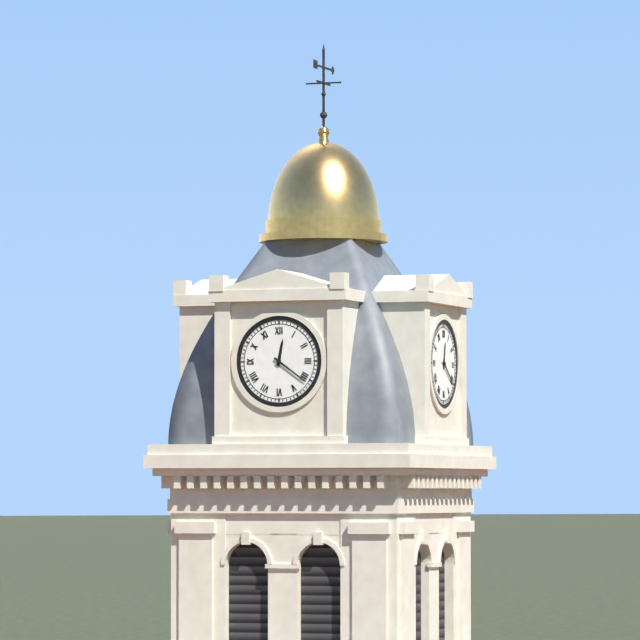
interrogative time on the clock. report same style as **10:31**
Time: **12:21**
